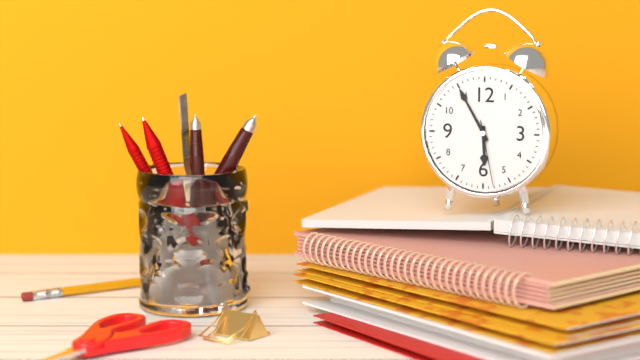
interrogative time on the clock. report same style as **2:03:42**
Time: **5:55:28**
